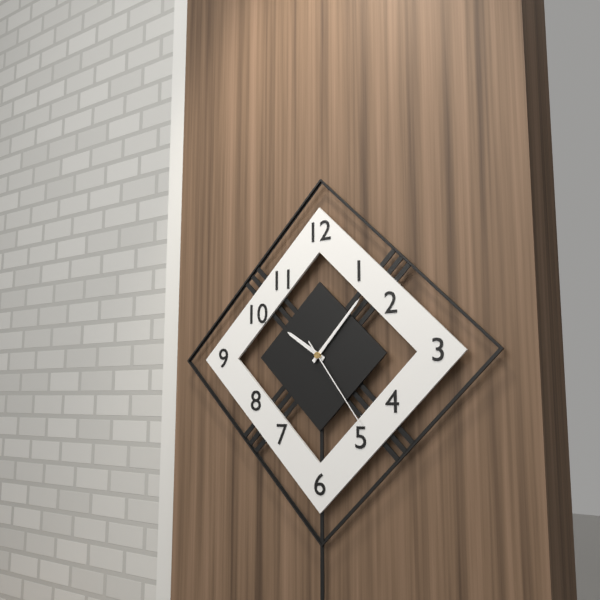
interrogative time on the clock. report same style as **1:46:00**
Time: **10:07:24**
